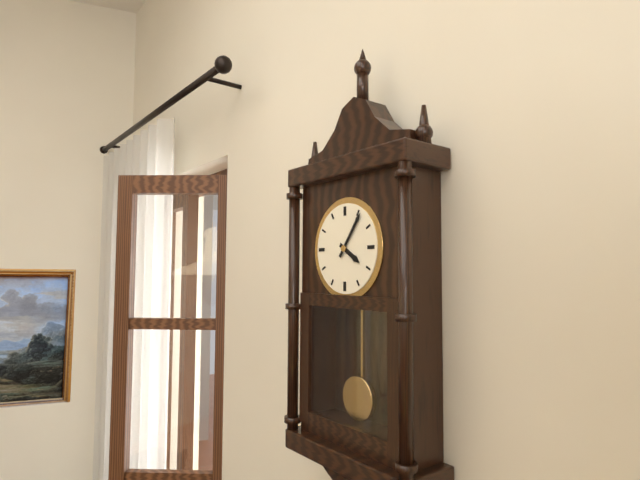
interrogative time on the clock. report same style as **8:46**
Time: **4:06**
